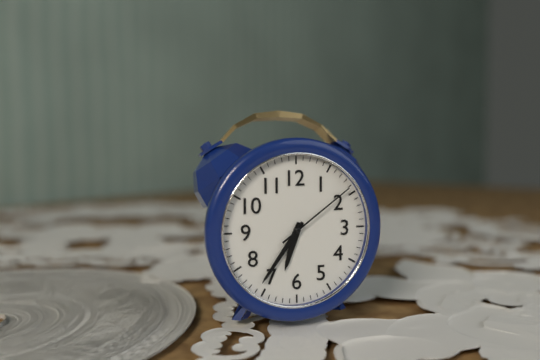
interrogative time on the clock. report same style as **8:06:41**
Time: **6:36:09**
